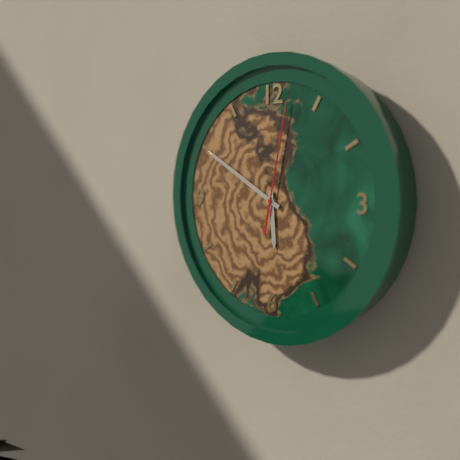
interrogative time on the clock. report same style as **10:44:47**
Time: **5:50:02**
